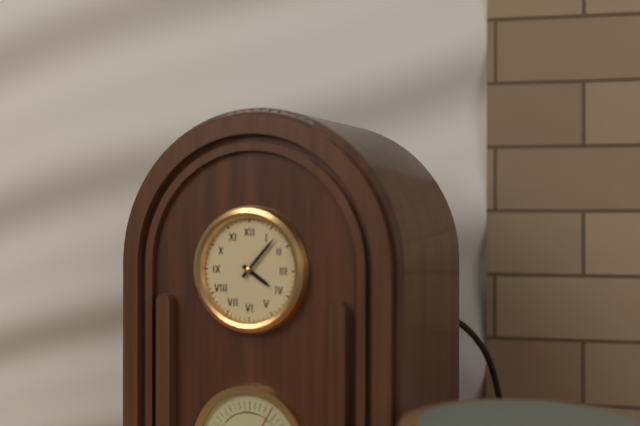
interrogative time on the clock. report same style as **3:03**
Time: **4:07**
